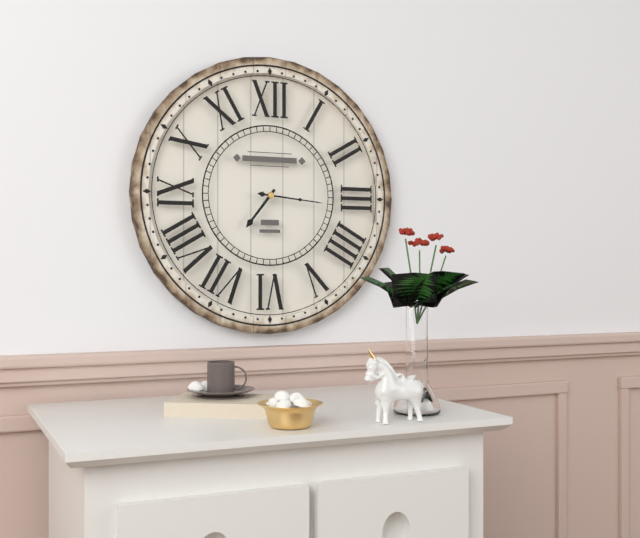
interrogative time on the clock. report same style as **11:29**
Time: **7:16**
